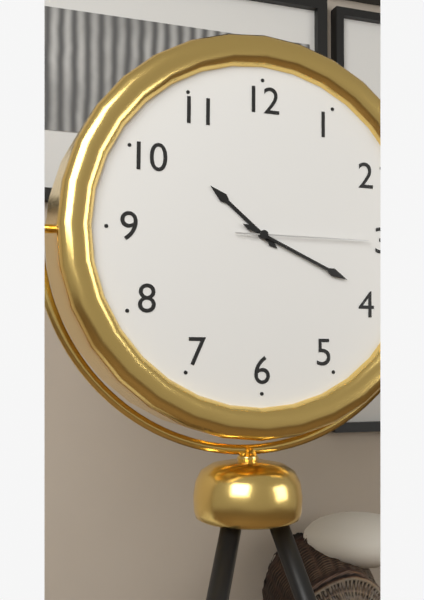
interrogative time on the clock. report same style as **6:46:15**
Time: **10:19:15**
